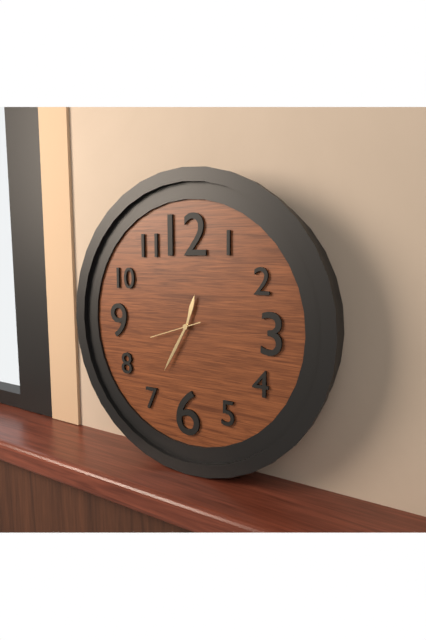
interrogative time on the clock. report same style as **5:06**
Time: **12:35**
